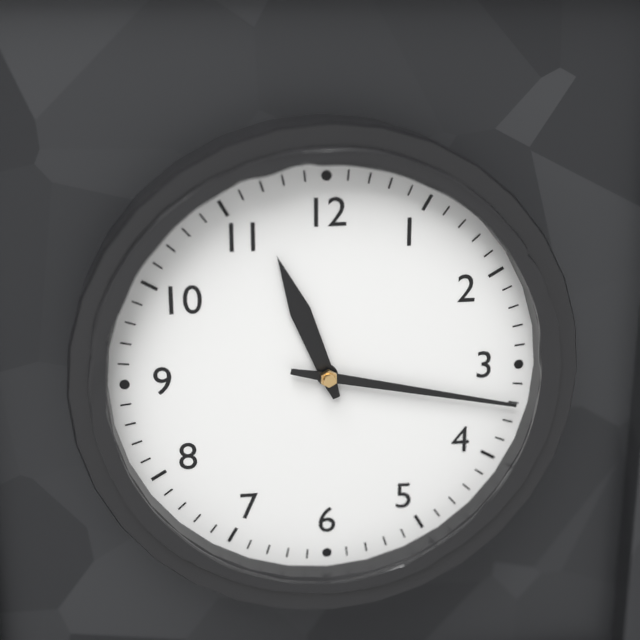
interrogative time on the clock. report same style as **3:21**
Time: **11:17**
